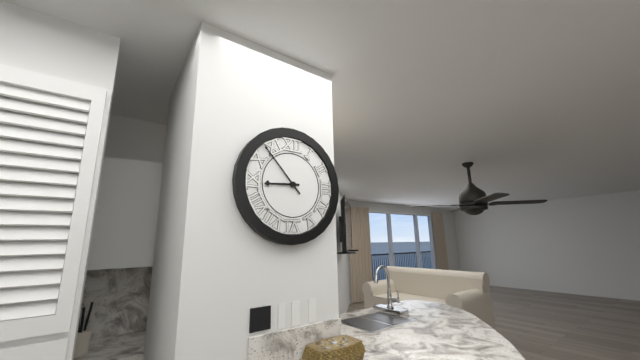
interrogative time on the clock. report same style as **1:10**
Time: **8:53**
